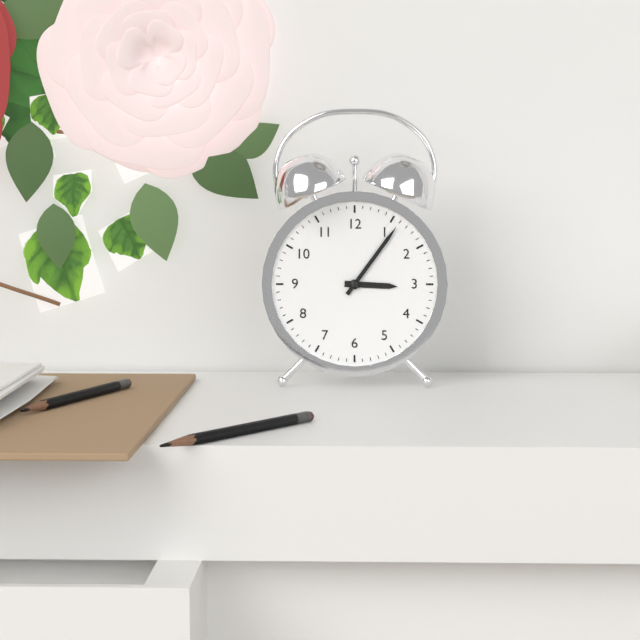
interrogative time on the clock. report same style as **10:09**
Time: **3:06**
